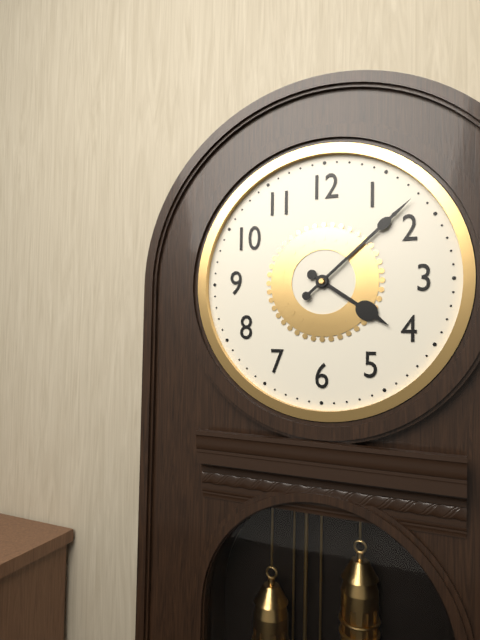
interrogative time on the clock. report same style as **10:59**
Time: **4:08**
